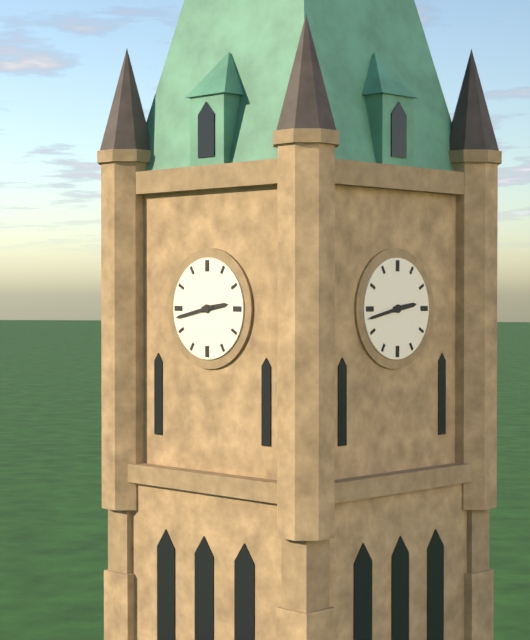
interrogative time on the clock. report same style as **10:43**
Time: **2:43**
